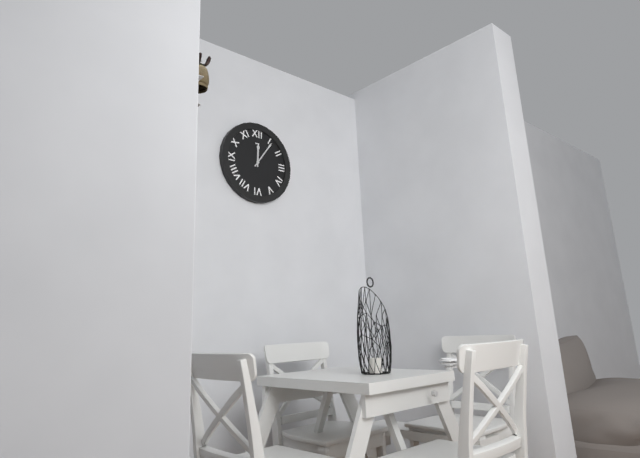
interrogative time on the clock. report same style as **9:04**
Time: **12:06**
